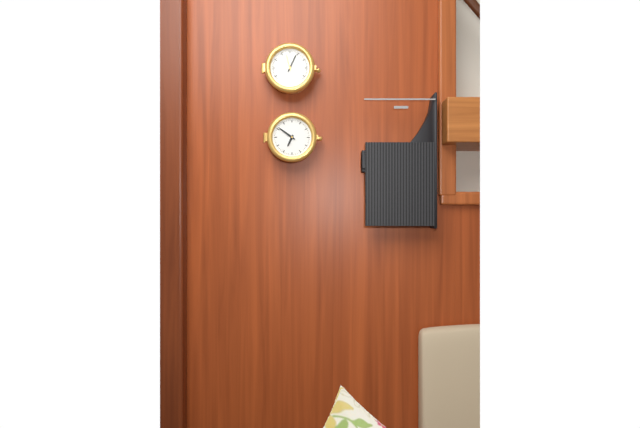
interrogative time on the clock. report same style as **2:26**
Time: **6:51**
